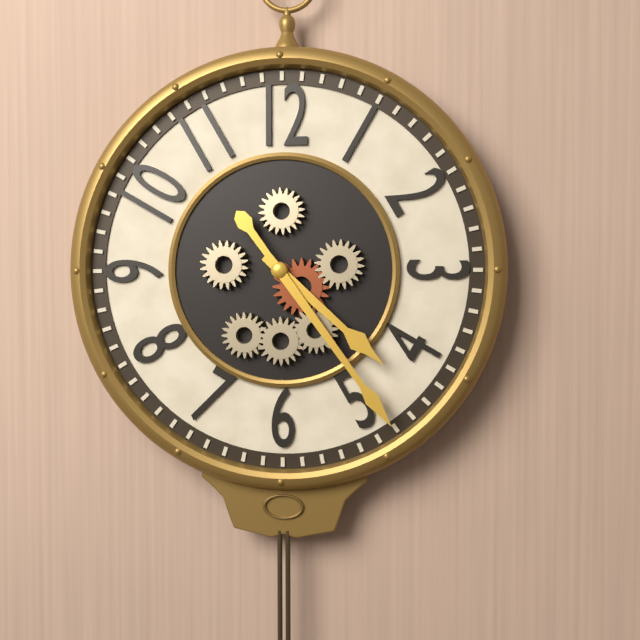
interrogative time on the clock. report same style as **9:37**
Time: **4:24**
